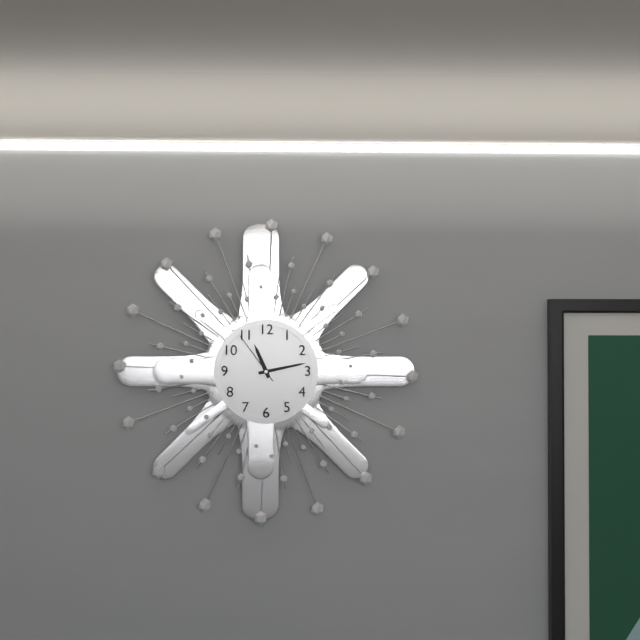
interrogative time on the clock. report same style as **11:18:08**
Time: **11:13:54**
